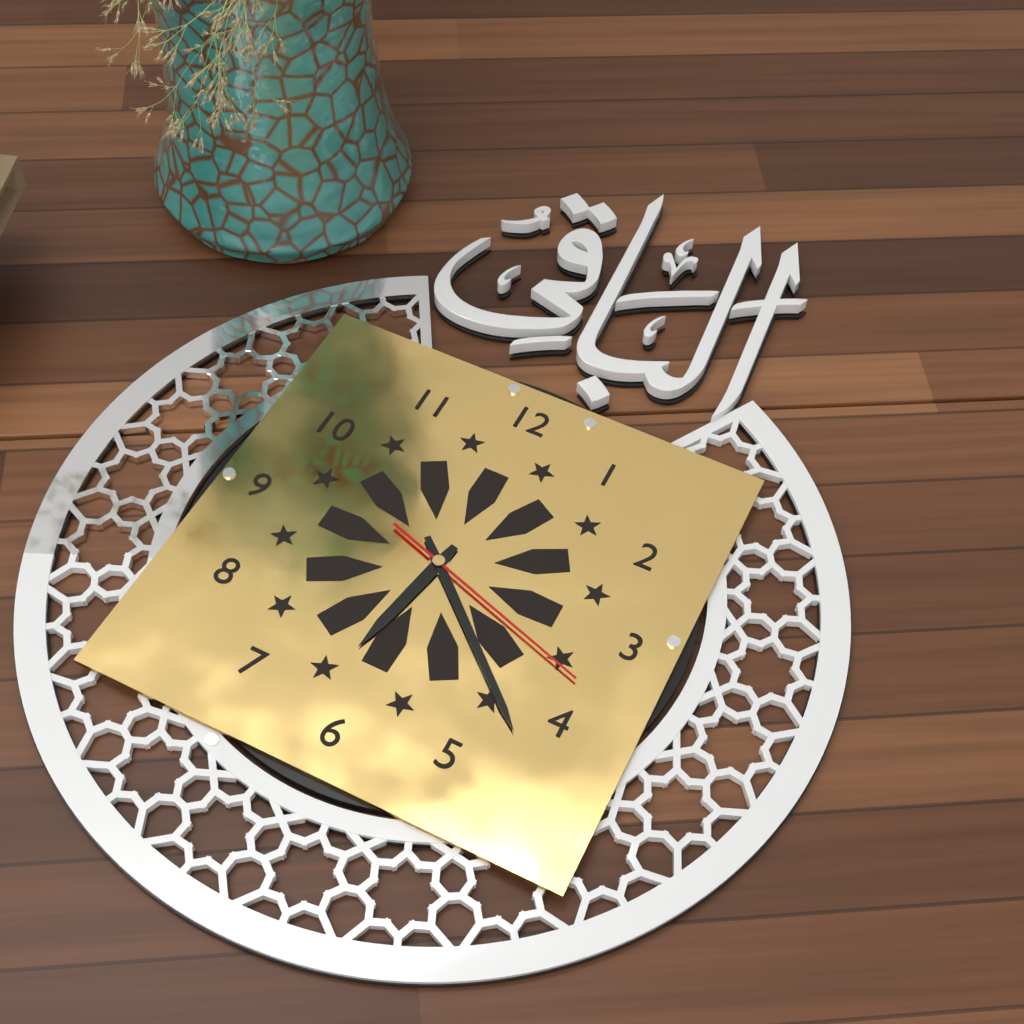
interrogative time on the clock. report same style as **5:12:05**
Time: **6:22:18**
